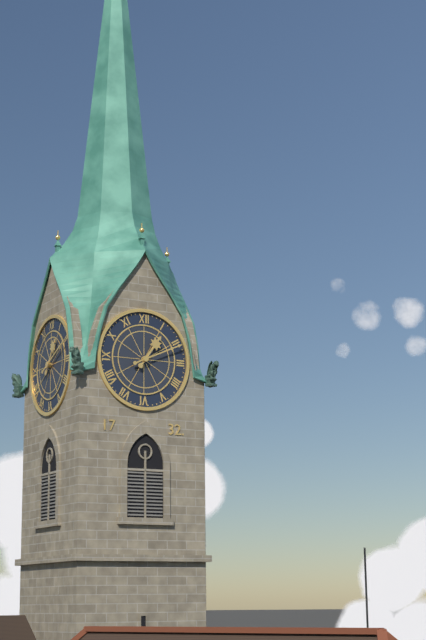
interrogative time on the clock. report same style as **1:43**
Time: **1:11**
